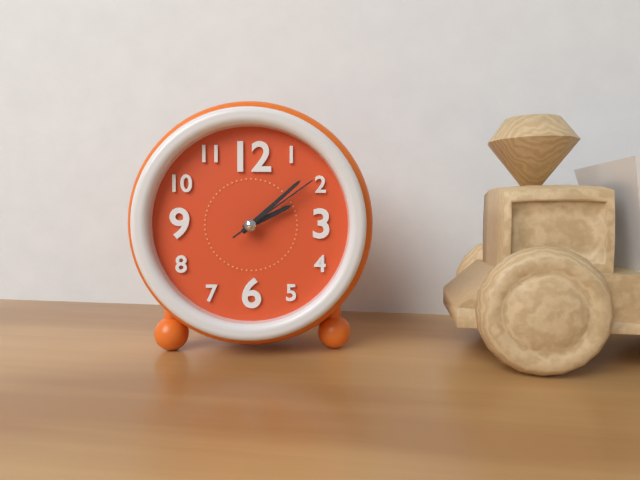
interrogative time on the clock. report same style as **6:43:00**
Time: **2:08:09**
